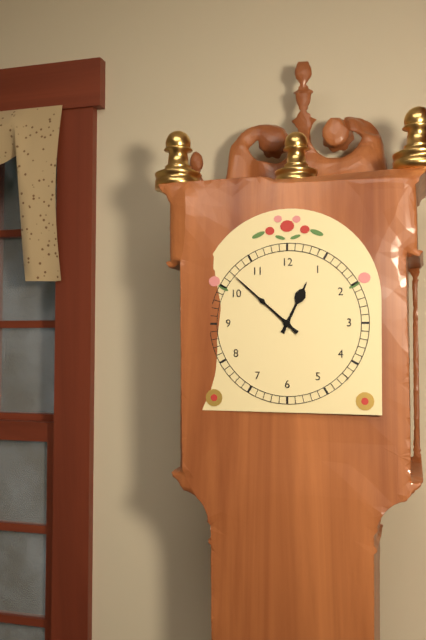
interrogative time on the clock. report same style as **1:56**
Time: **12:52**
